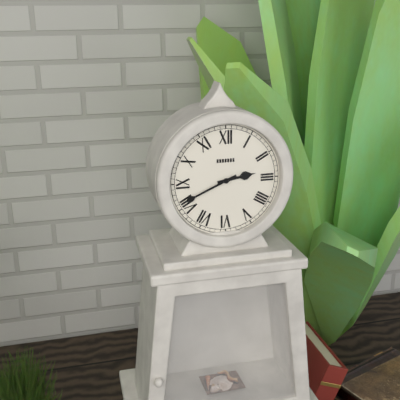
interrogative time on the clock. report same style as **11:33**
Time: **2:41**
